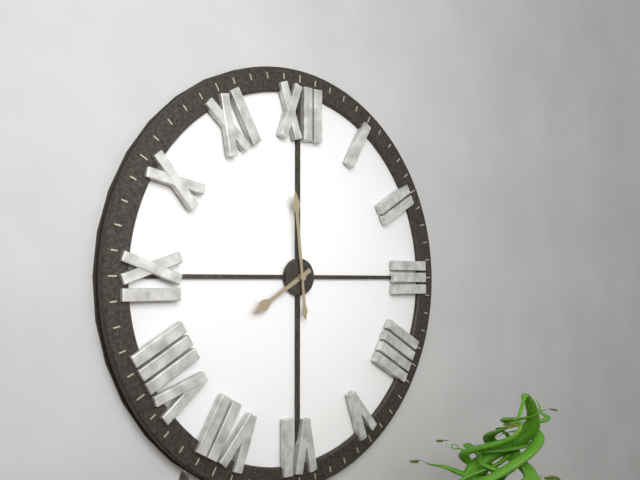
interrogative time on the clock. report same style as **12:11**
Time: **7:59**
